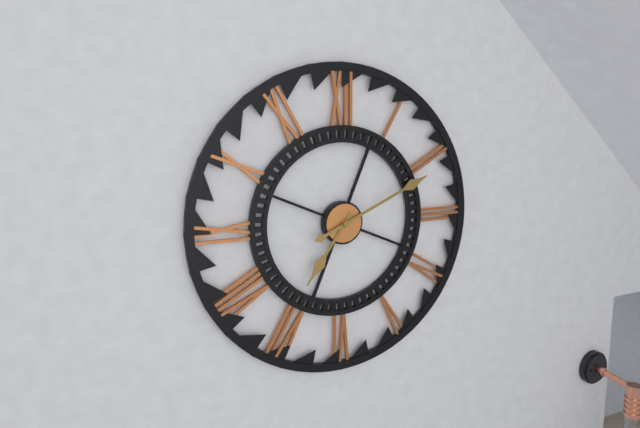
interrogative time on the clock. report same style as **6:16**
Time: **7:11**
